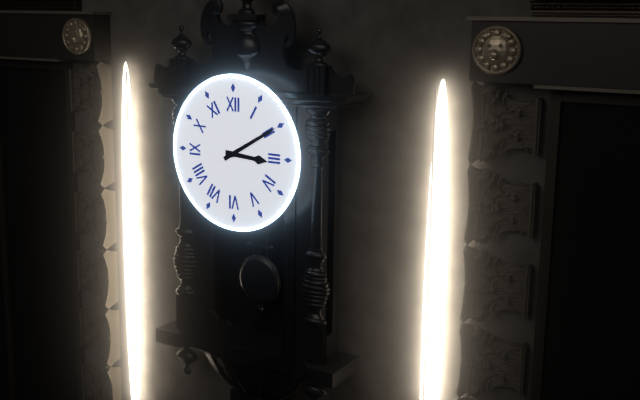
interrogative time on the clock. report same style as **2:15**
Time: **3:10**
